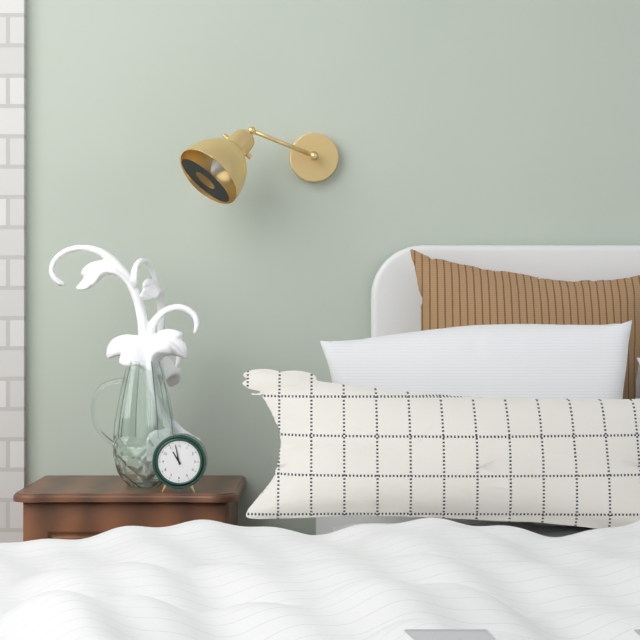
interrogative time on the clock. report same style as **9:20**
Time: **10:58**
